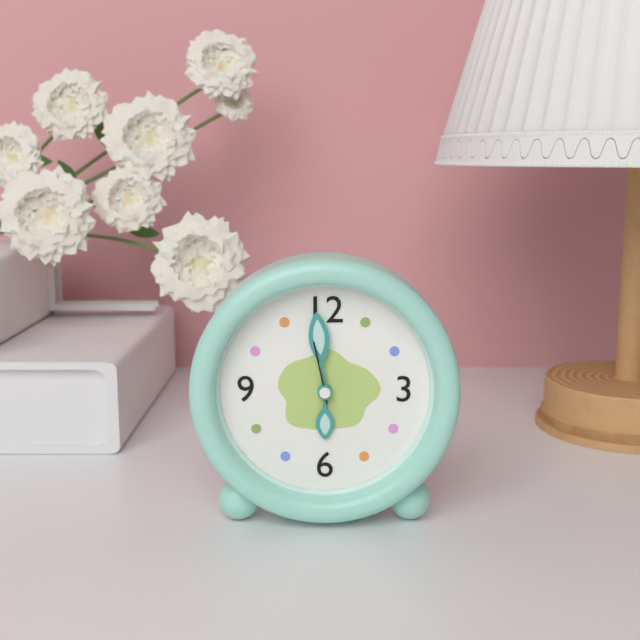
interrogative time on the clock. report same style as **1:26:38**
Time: **5:59:58**
